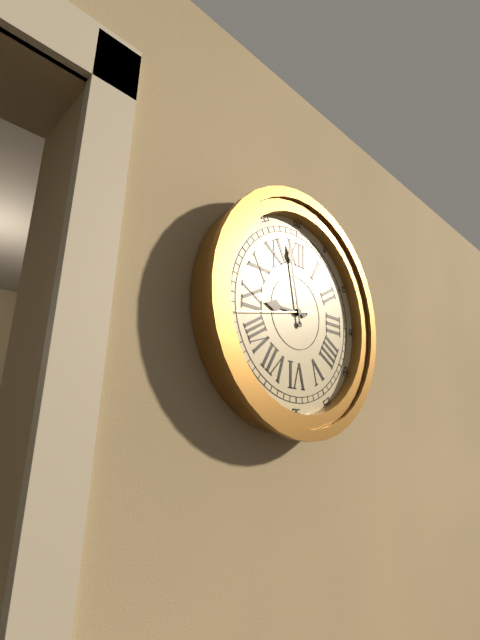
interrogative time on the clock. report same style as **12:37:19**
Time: **8:58:43**
